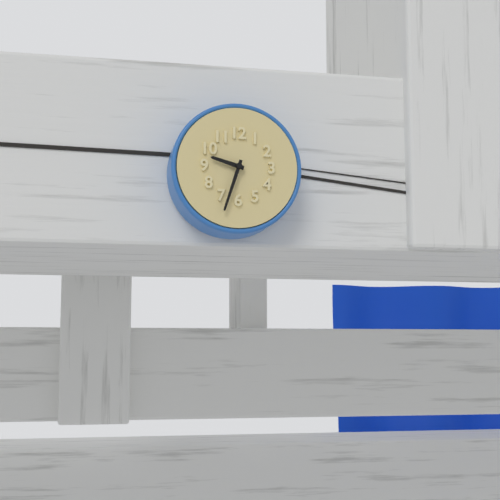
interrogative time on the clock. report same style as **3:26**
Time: **9:33**
